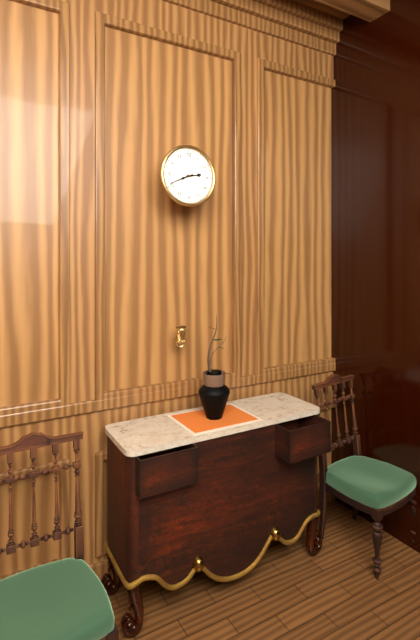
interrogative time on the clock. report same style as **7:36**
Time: **2:41**
